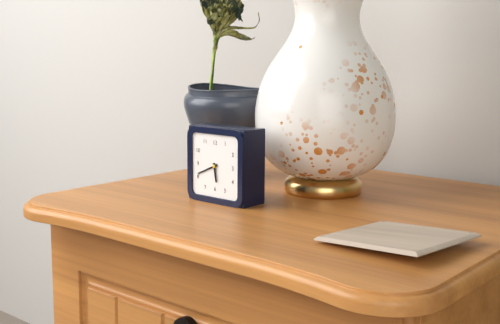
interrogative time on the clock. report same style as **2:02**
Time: **5:41**
